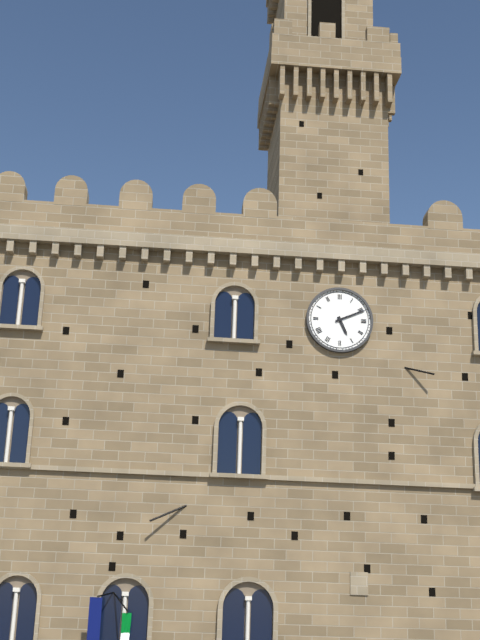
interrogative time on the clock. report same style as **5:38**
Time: **5:11**
